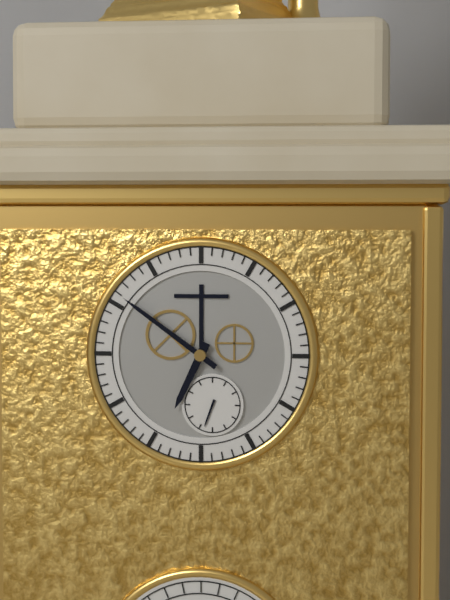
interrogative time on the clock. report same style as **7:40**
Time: **6:51**
